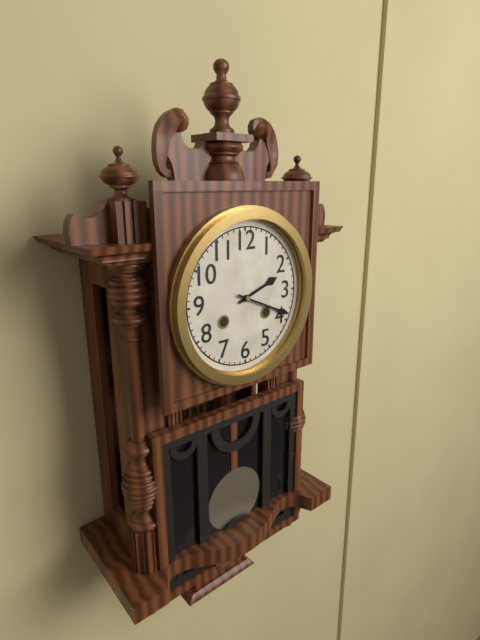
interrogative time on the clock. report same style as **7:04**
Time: **2:19**
